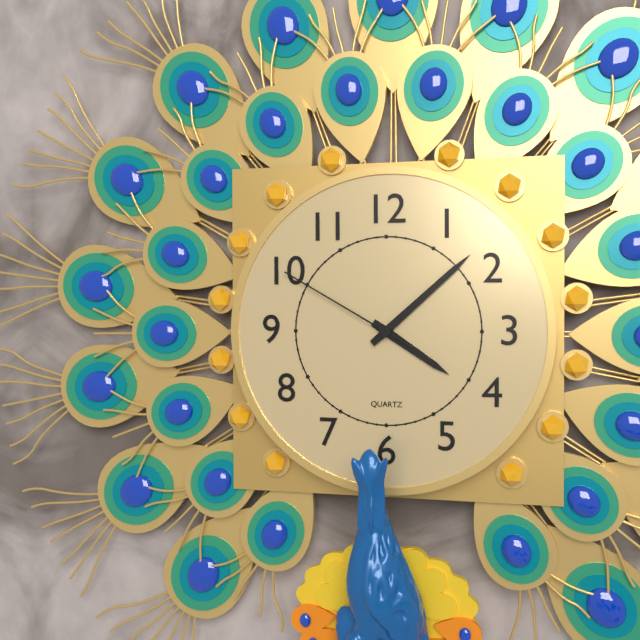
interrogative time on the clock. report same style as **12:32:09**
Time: **4:08:50**
